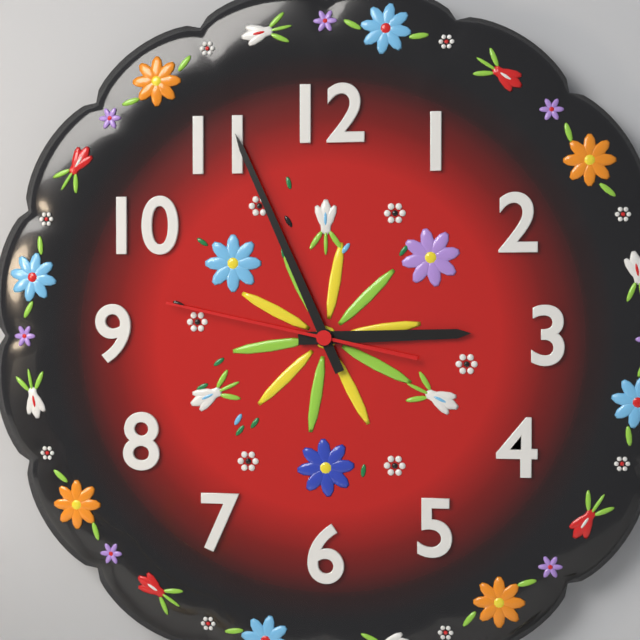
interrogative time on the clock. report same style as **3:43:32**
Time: **2:56:47**
